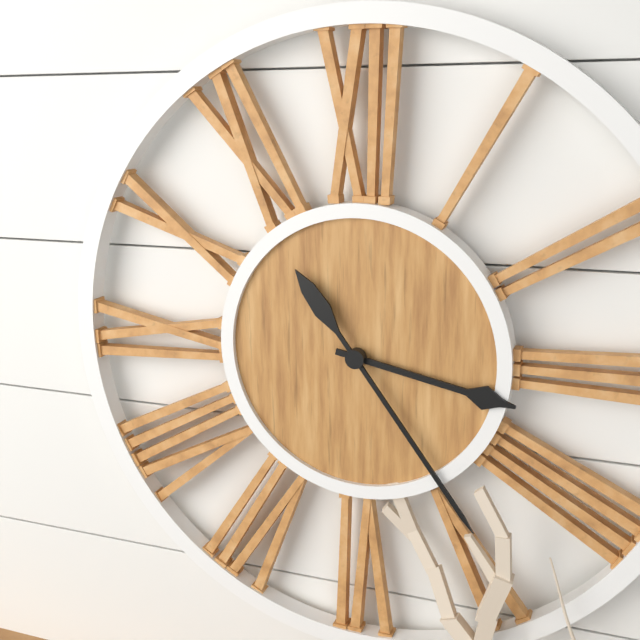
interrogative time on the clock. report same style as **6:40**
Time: **3:24**
